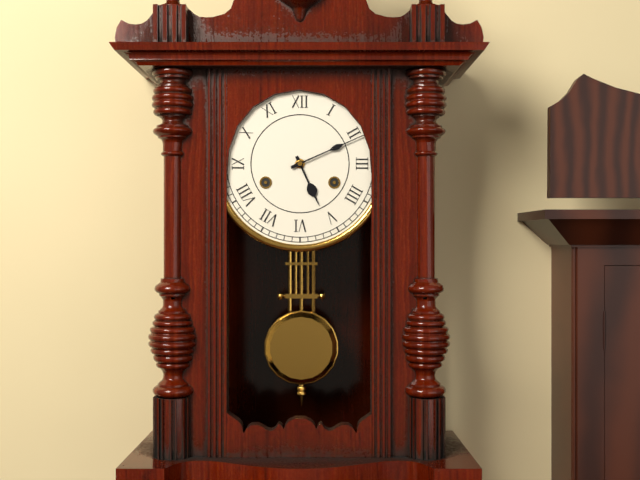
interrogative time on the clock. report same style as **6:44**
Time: **5:11**
